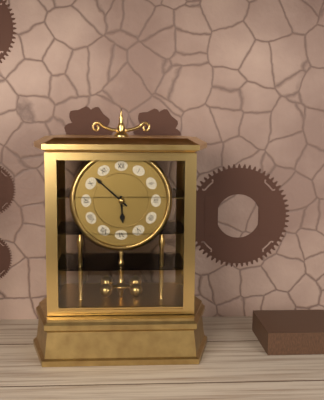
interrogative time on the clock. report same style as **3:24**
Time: **5:52**
